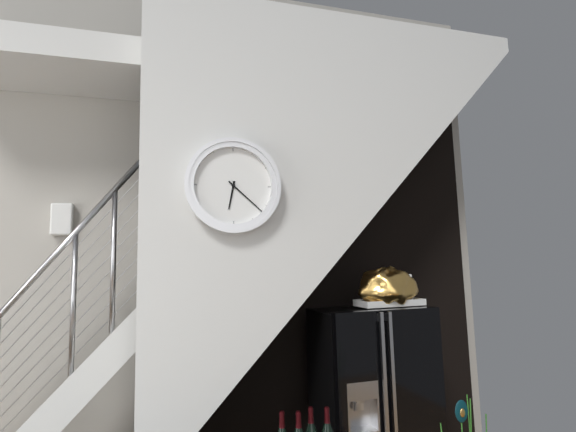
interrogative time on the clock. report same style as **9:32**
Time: **6:22**
